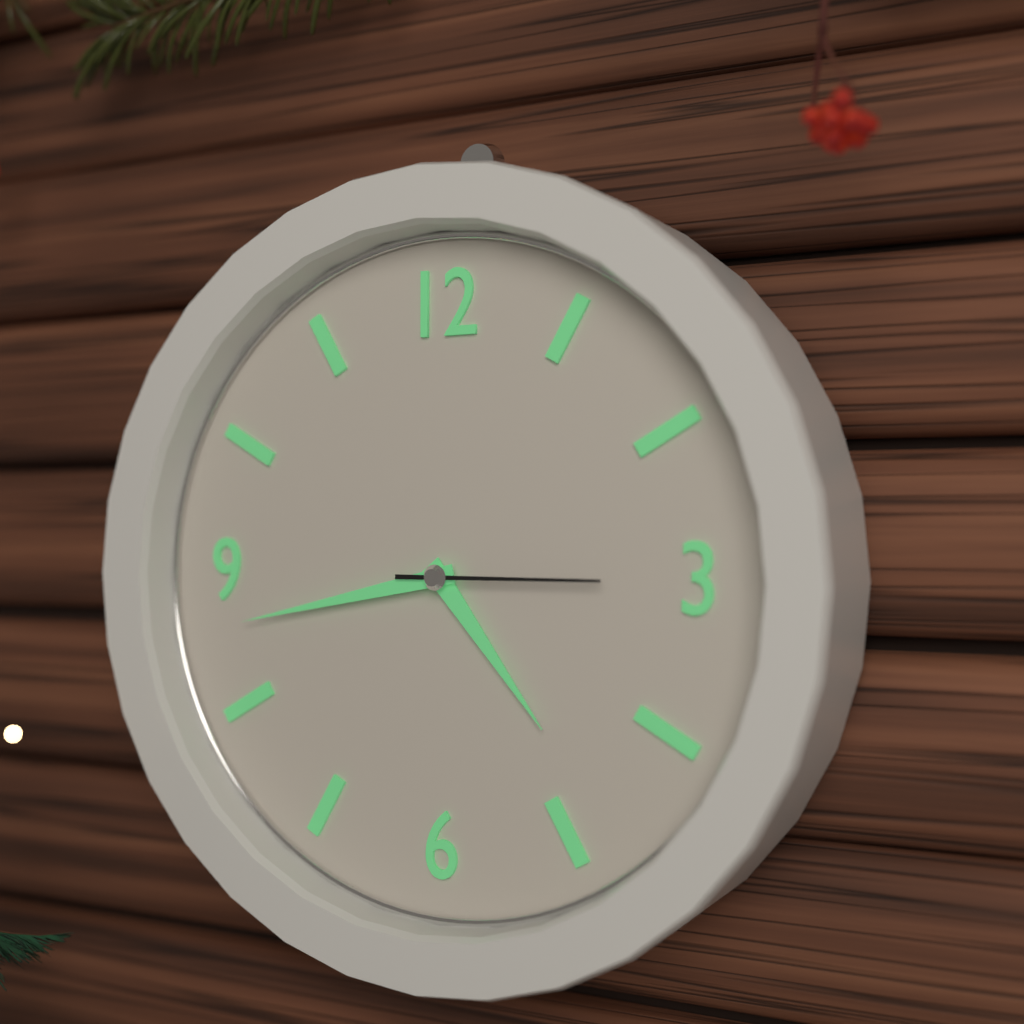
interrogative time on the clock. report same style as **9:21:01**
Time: **4:43:15**
